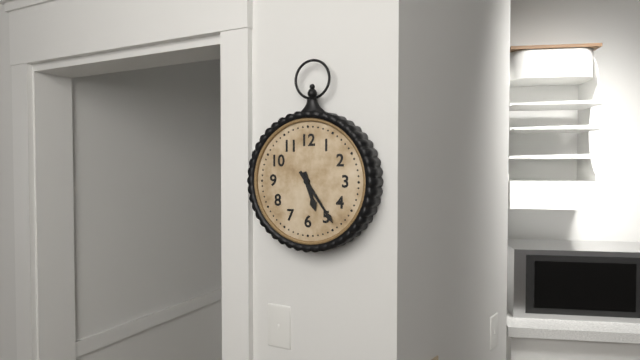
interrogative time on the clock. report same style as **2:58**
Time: **5:24**
